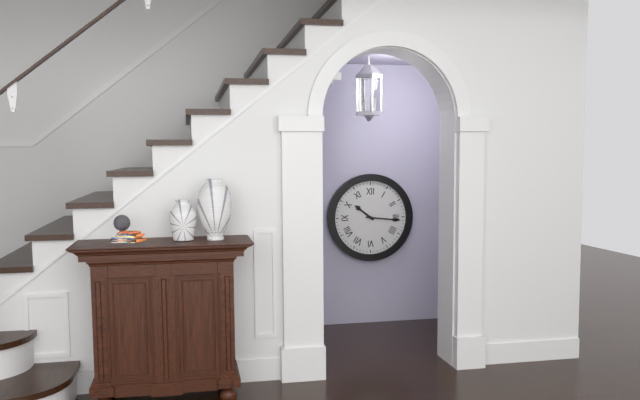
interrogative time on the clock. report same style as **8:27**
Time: **10:16**
